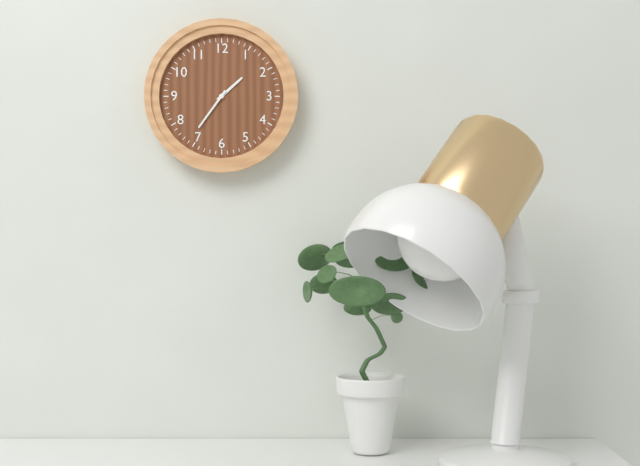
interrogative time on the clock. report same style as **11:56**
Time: **1:36**
